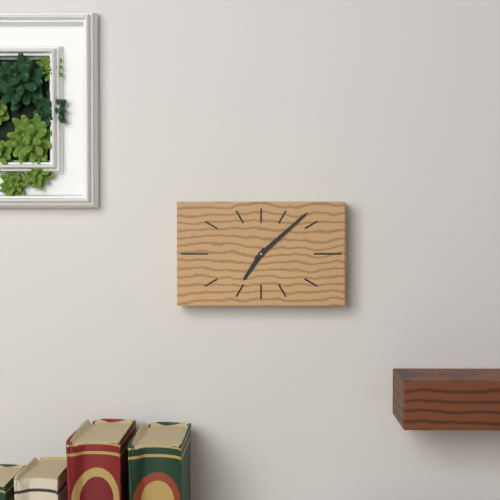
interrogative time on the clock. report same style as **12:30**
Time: **7:08**
